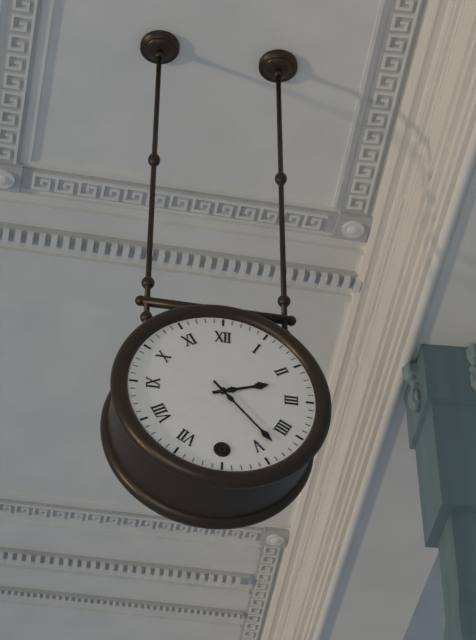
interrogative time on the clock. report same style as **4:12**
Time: **2:23**
